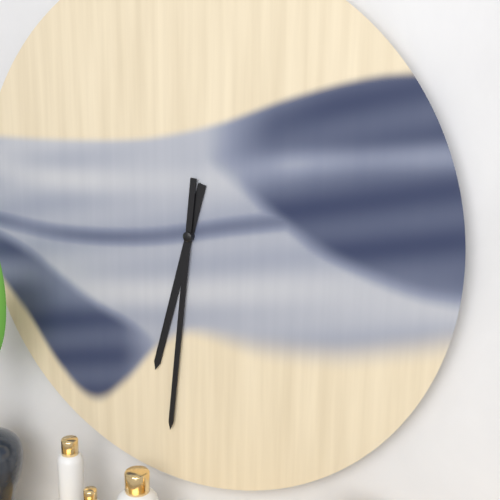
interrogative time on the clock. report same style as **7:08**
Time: **6:31**
